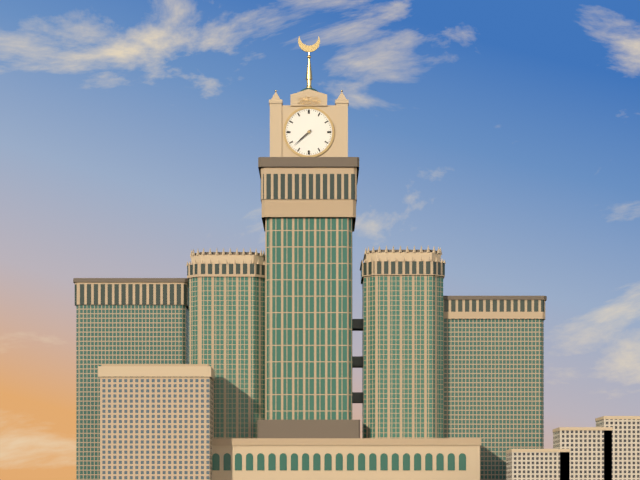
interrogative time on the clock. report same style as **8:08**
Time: **7:38**
